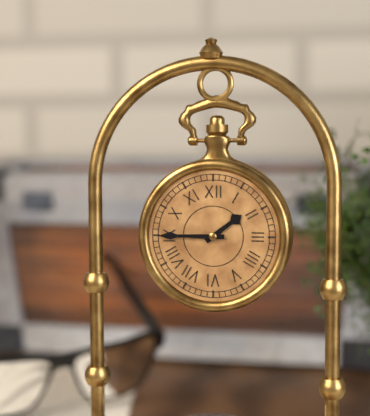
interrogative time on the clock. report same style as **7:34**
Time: **1:45**
